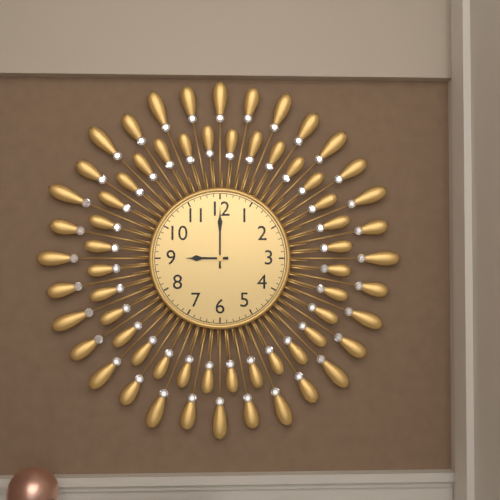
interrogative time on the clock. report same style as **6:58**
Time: **9:00**
